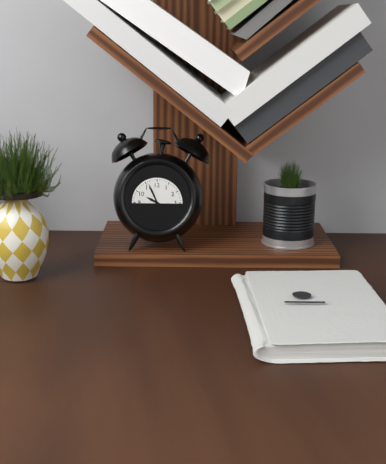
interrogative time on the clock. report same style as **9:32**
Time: **9:56**
